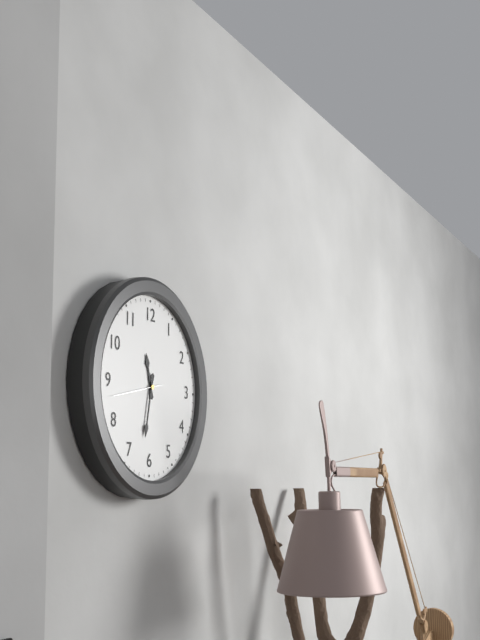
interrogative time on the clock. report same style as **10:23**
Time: **11:32**
